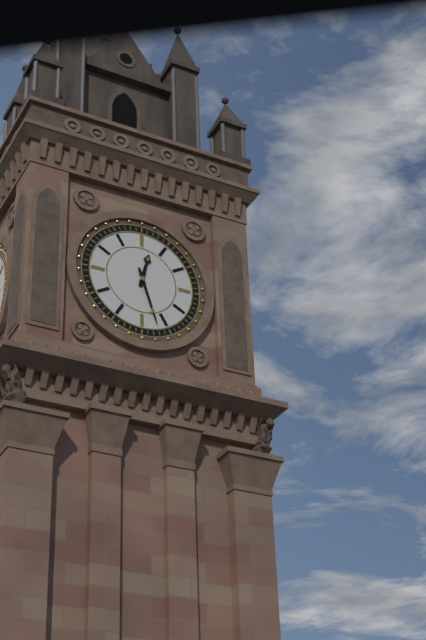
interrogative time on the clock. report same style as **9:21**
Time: **12:27**
